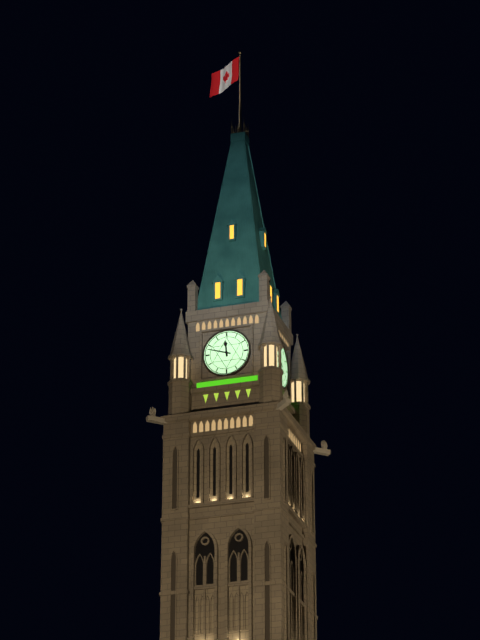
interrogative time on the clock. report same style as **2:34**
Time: **11:48**
